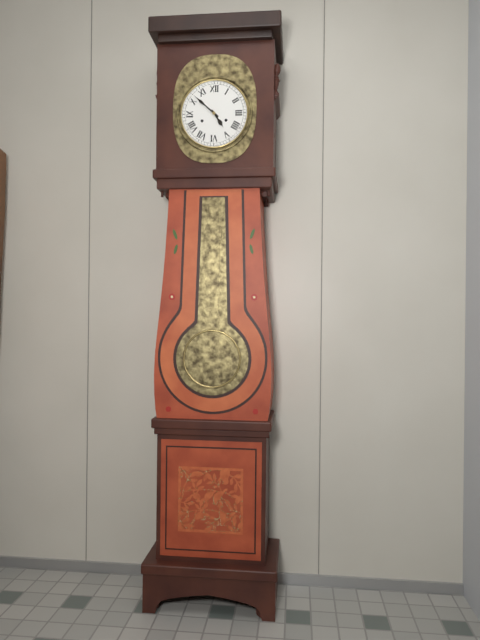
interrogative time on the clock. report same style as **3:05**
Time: **4:52**
